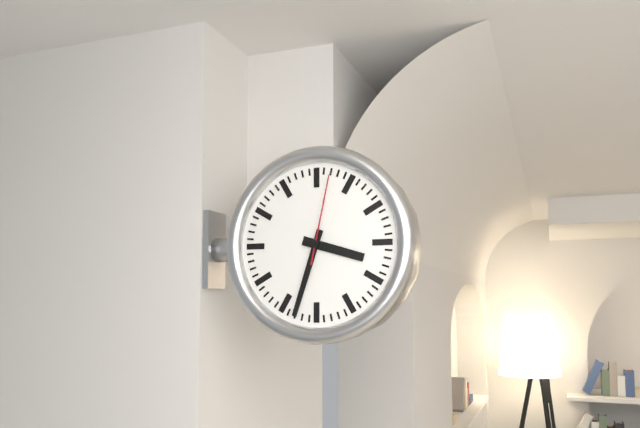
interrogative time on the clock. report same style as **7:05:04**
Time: **3:33:02**
